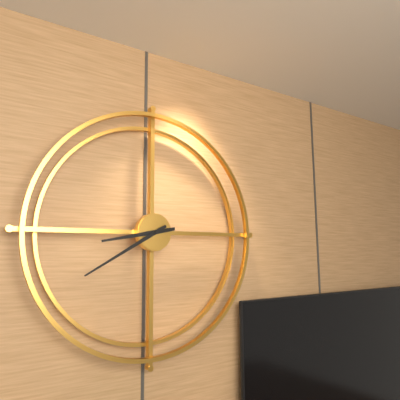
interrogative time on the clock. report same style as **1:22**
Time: **8:40**
